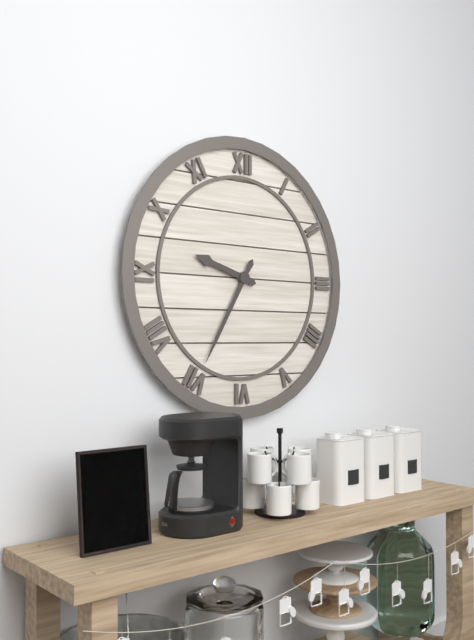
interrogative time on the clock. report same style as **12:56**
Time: **9:35**
